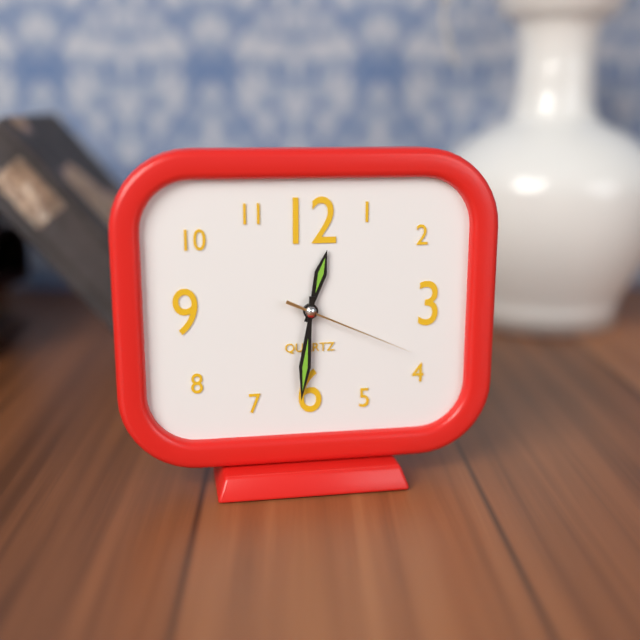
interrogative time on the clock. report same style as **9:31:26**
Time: **12:31:19**
